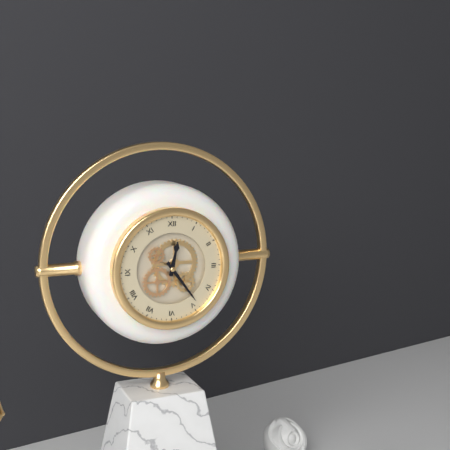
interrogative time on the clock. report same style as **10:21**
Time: **12:24**
